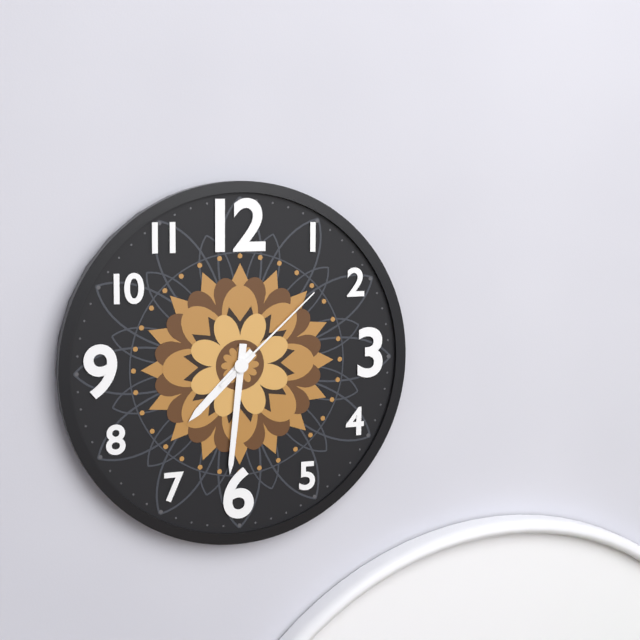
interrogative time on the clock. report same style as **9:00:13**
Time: **7:31:08**
